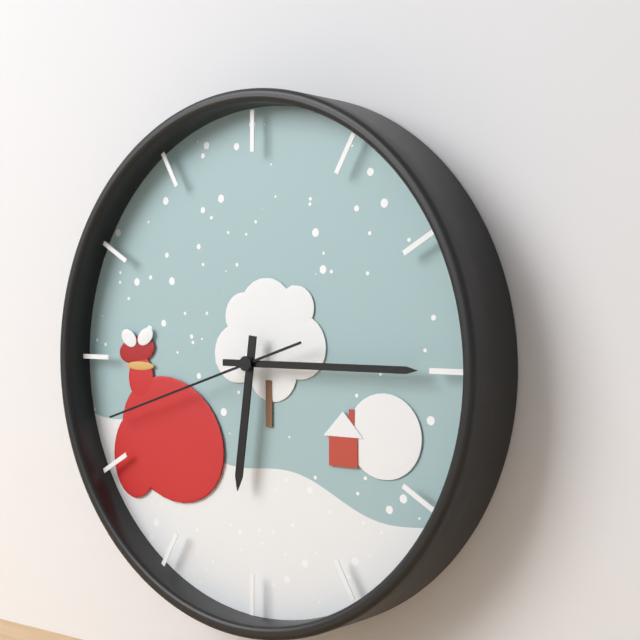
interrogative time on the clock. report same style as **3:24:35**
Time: **6:15:42**
